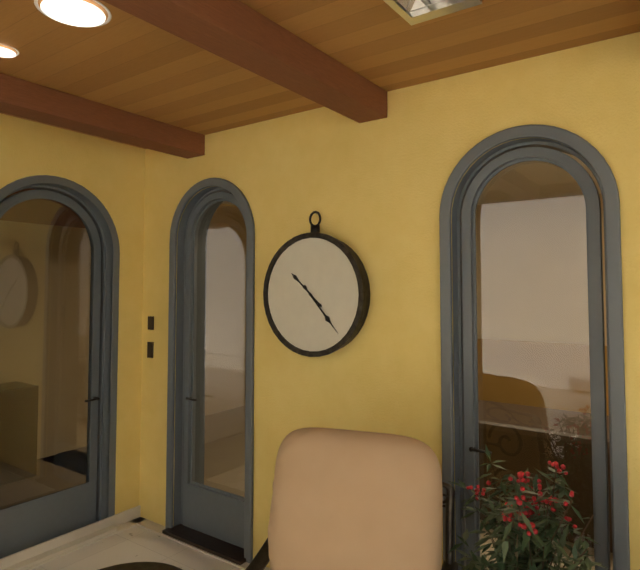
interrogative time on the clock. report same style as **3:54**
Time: **10:23**
